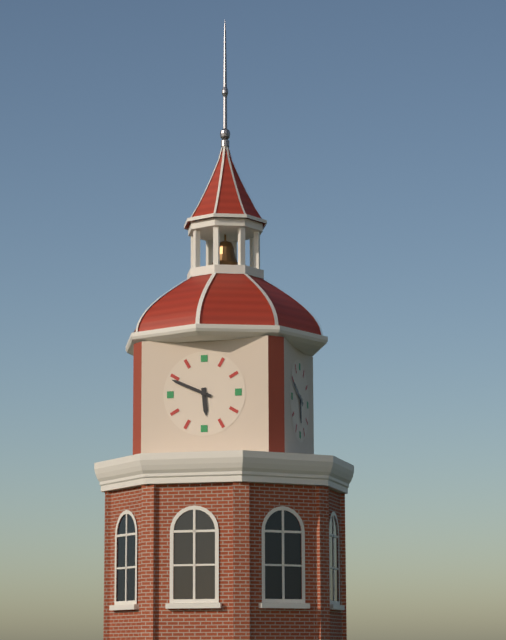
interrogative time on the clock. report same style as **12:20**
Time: **5:49**
